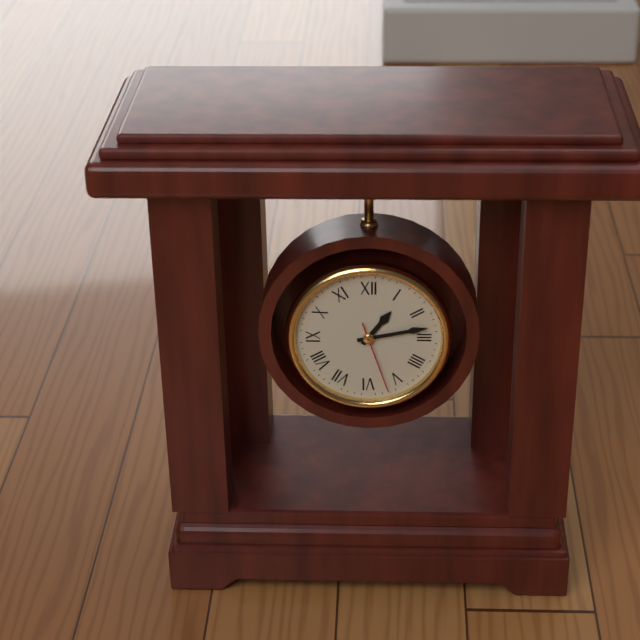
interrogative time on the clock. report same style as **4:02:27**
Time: **1:13:27**
